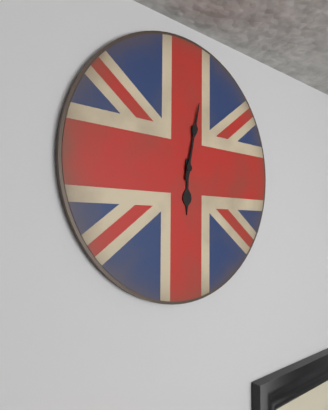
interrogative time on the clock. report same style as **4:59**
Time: **6:02**
